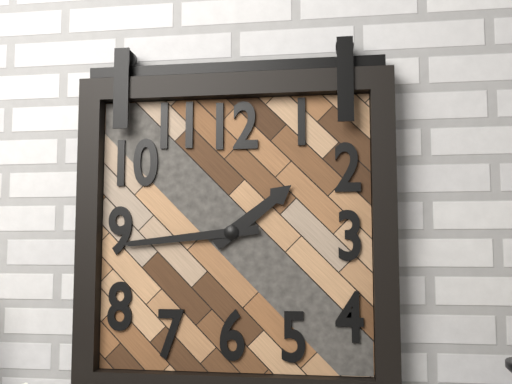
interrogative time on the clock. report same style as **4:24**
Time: **1:44**
